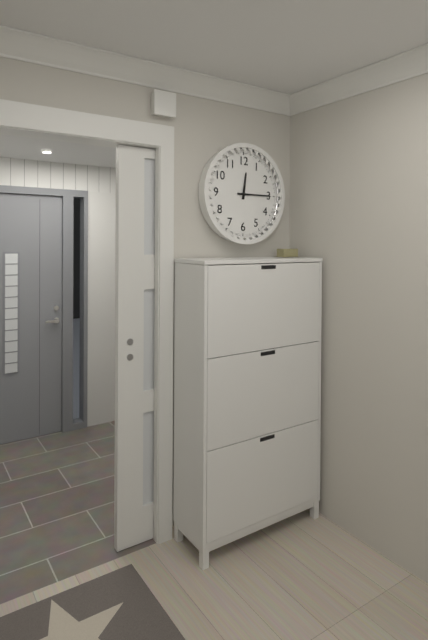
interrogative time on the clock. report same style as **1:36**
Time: **12:15**
